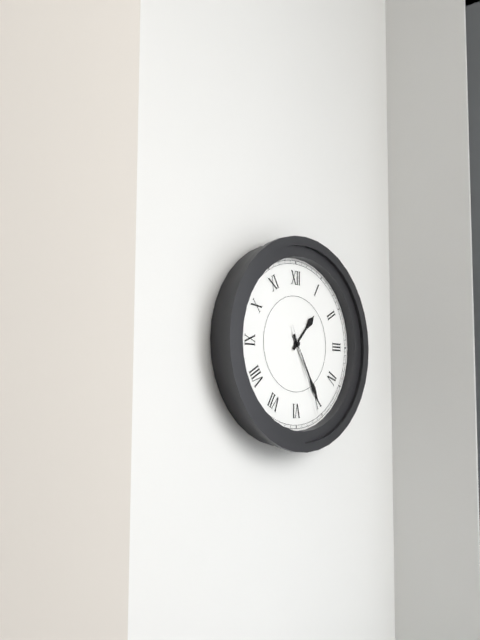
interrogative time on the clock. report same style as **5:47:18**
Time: **1:25:26**
